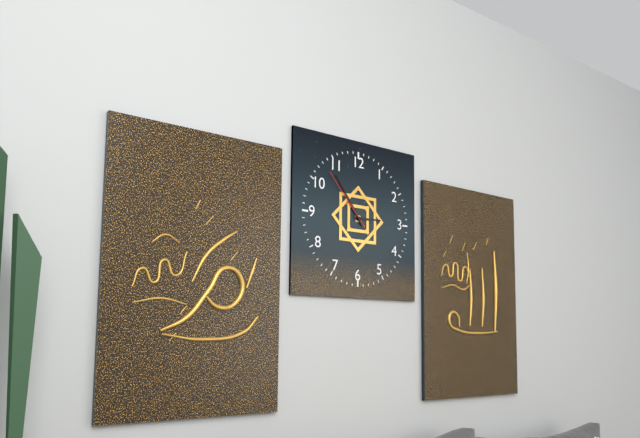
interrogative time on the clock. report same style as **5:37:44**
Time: **2:54:53**
